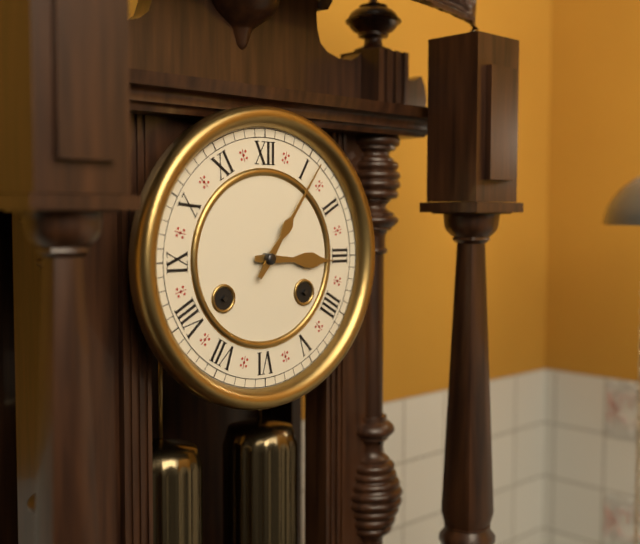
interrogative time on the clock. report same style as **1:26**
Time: **3:06**
